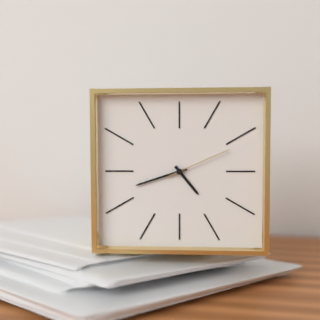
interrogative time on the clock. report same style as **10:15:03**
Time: **4:42:11**
